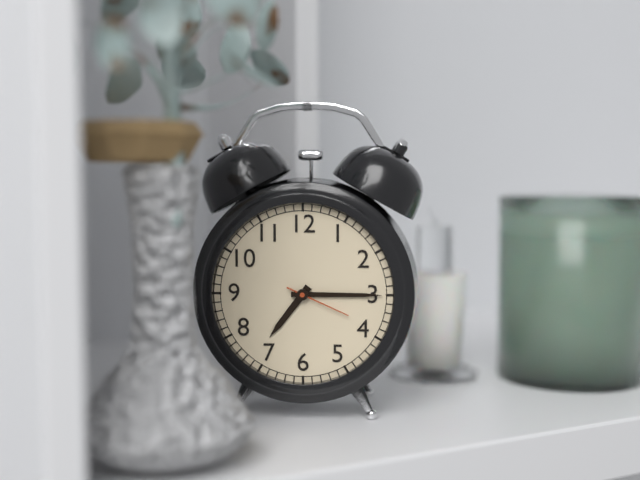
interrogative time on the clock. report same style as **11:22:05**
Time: **7:15:19**
